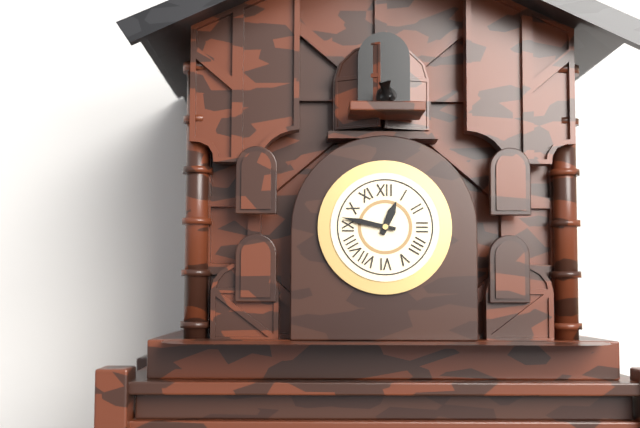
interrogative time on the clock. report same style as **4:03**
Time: **12:47**
